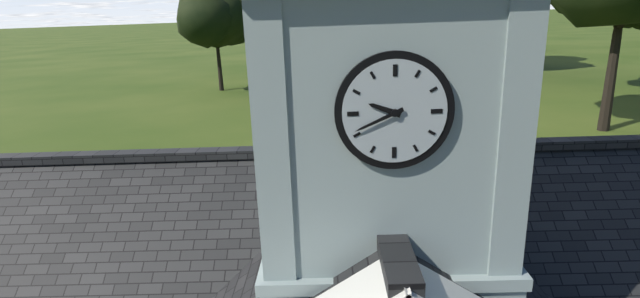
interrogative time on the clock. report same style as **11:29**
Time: **9:41**
